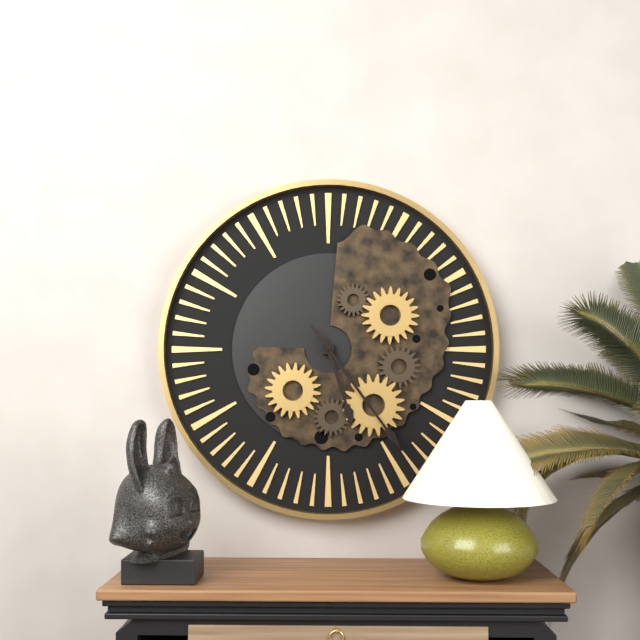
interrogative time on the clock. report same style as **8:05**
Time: **5:24**
